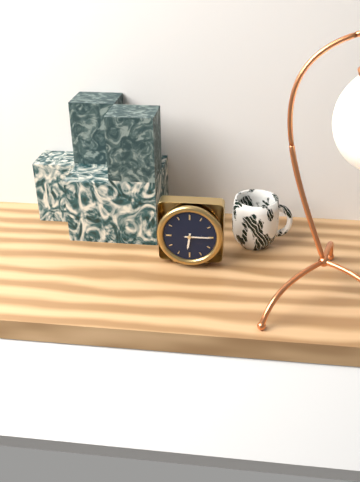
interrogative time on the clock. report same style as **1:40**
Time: **6:15**
